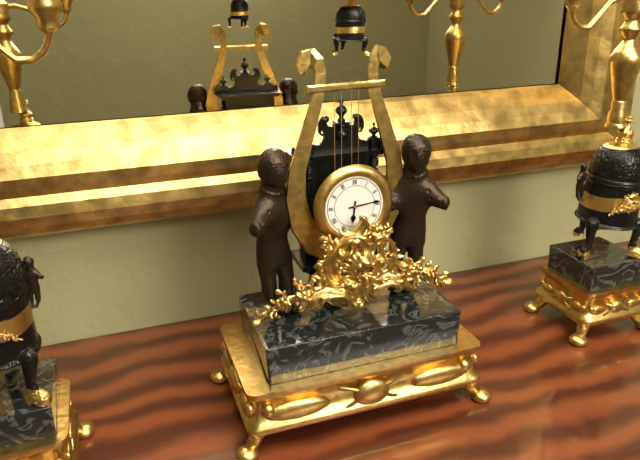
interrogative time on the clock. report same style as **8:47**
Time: **6:14**
